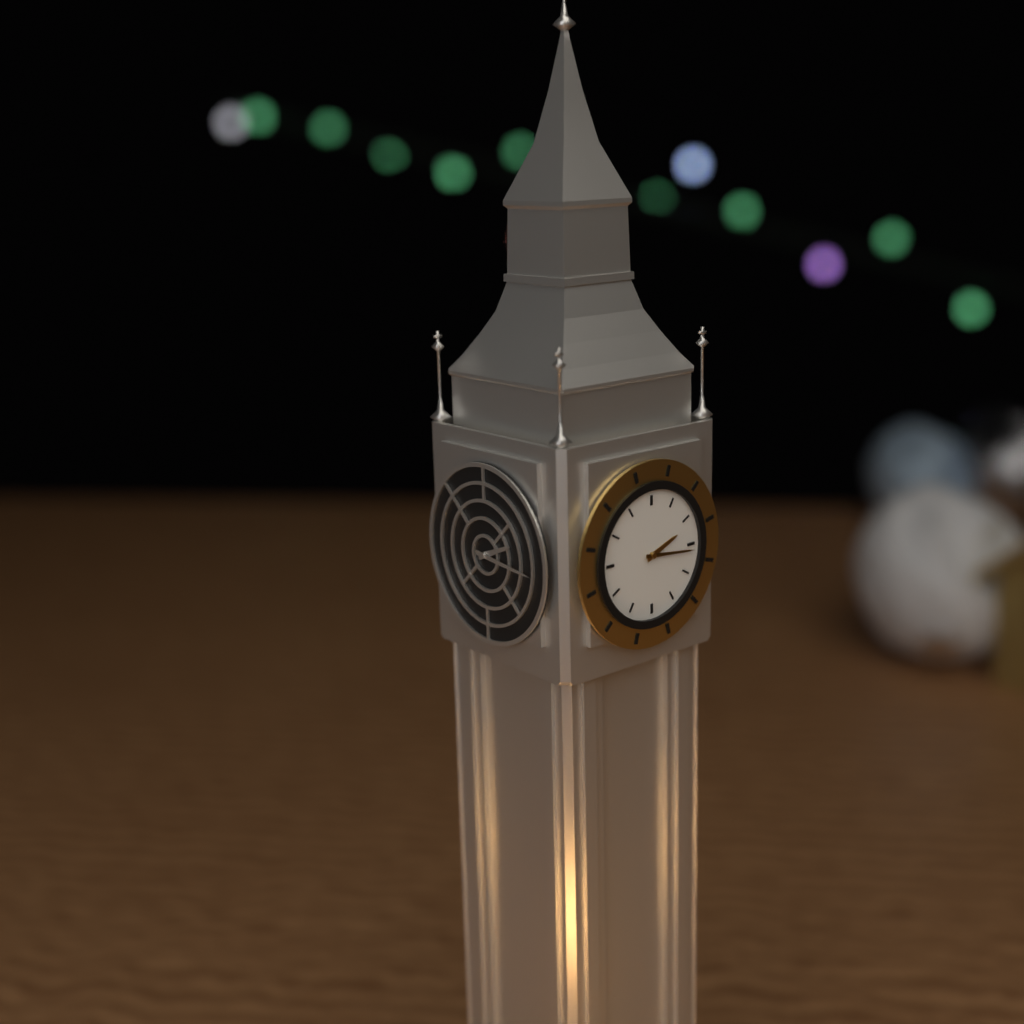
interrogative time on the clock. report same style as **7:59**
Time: **2:16**
